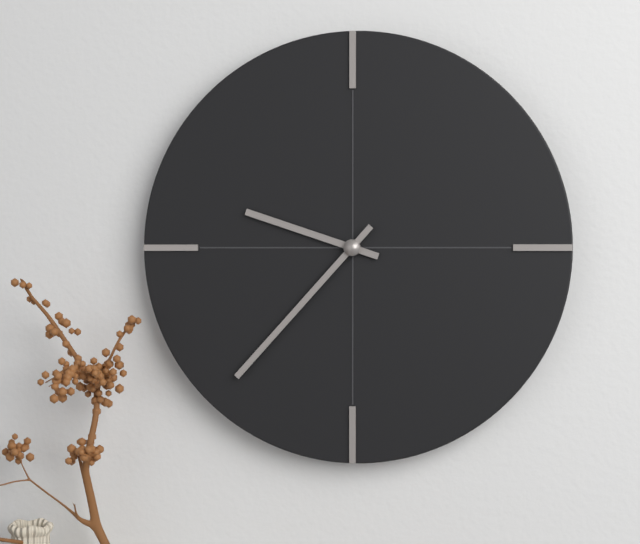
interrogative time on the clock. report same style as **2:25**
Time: **9:37**
